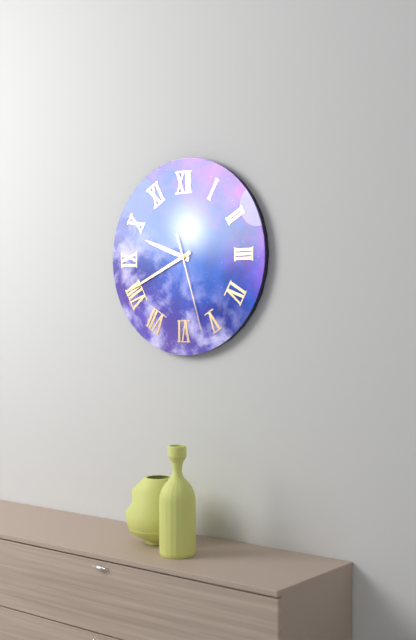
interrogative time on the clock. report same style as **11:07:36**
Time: **9:41:27**
